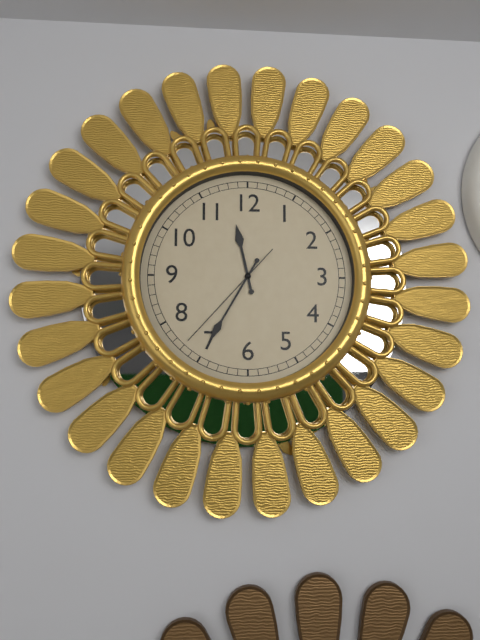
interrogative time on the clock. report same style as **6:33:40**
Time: **11:35:37**
